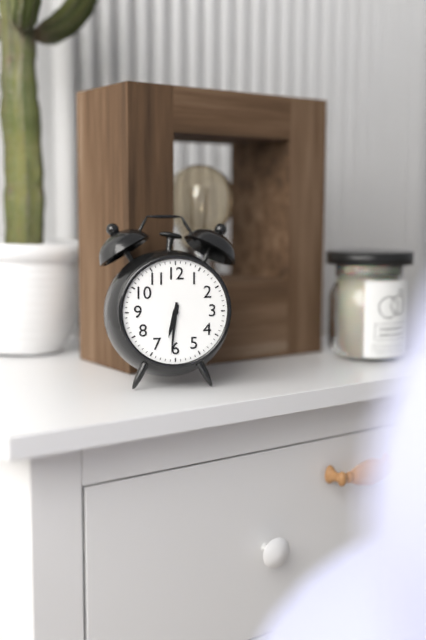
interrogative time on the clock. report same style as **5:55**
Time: **6:31**
